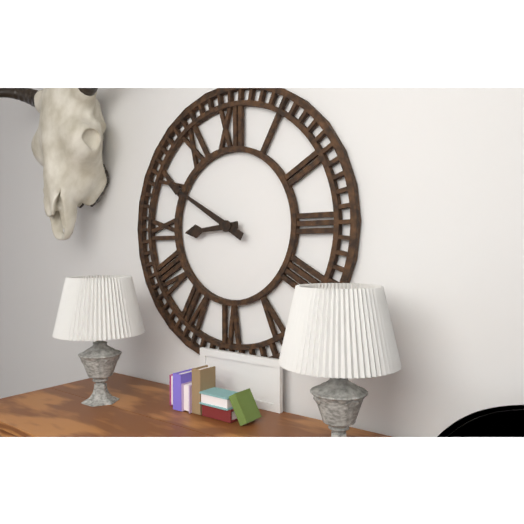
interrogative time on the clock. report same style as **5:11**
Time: **8:50**
